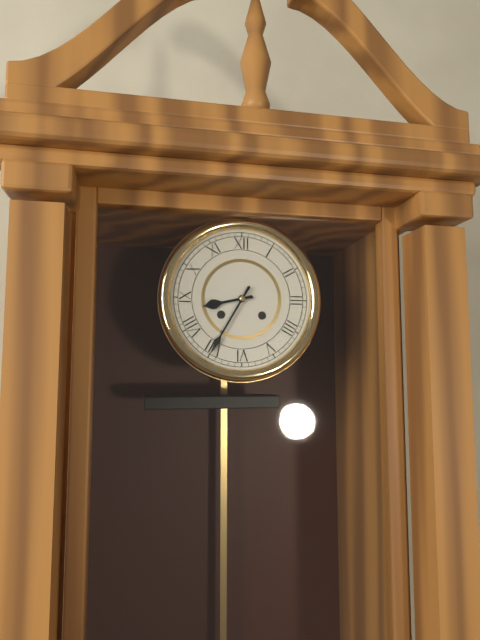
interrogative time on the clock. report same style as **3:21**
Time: **8:35**
